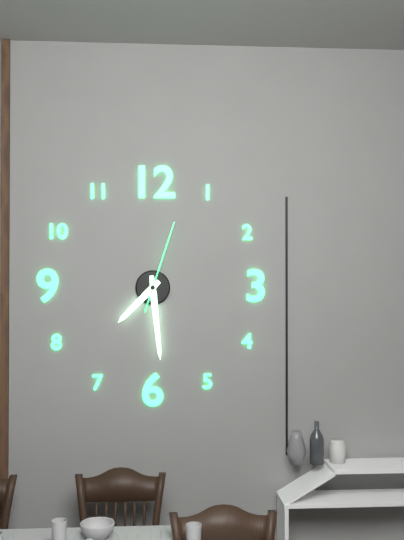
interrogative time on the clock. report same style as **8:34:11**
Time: **7:29:03**
